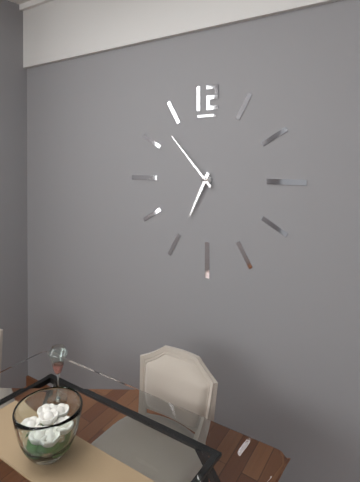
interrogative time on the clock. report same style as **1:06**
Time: **6:53**
